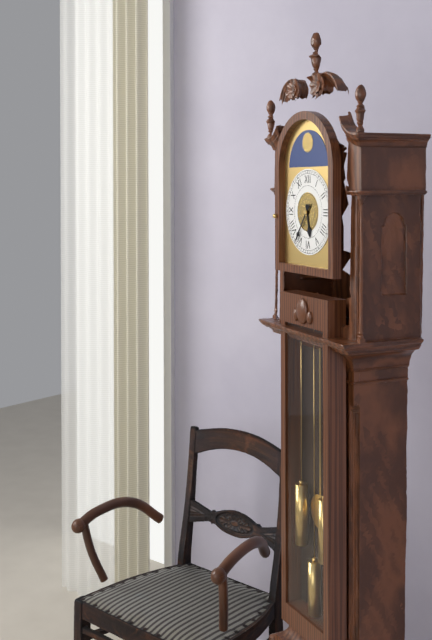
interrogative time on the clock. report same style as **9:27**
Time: **5:36**
